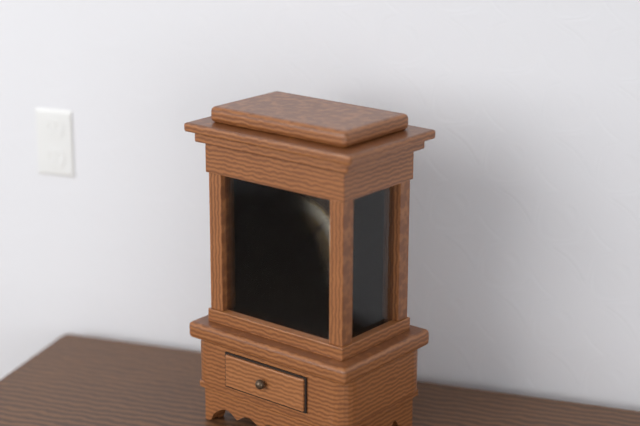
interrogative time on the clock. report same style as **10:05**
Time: **8:07**
